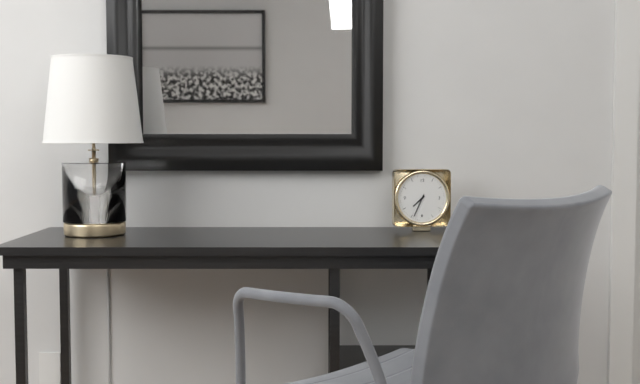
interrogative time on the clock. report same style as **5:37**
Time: **7:34**
